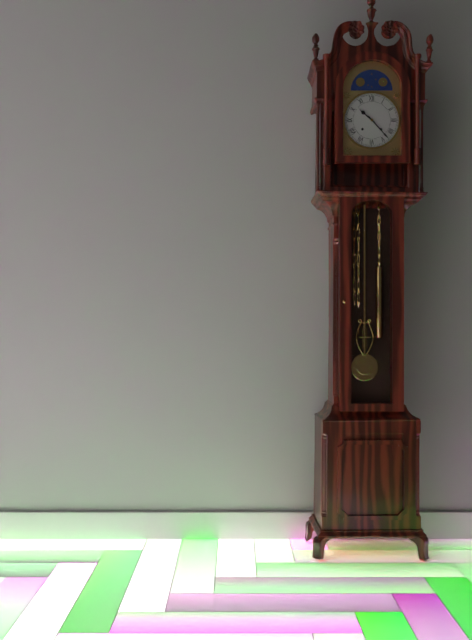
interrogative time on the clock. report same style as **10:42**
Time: **10:23**
